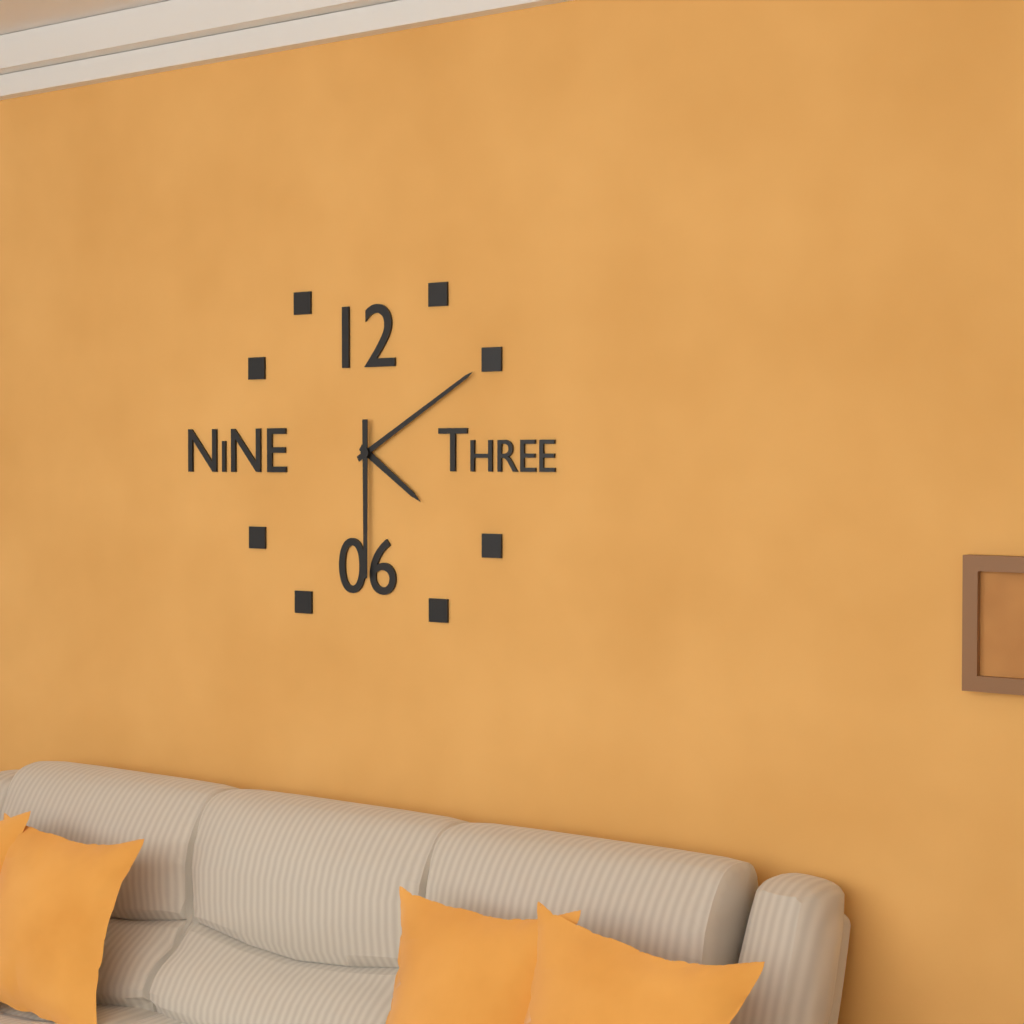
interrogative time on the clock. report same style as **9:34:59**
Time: **4:10:30**
